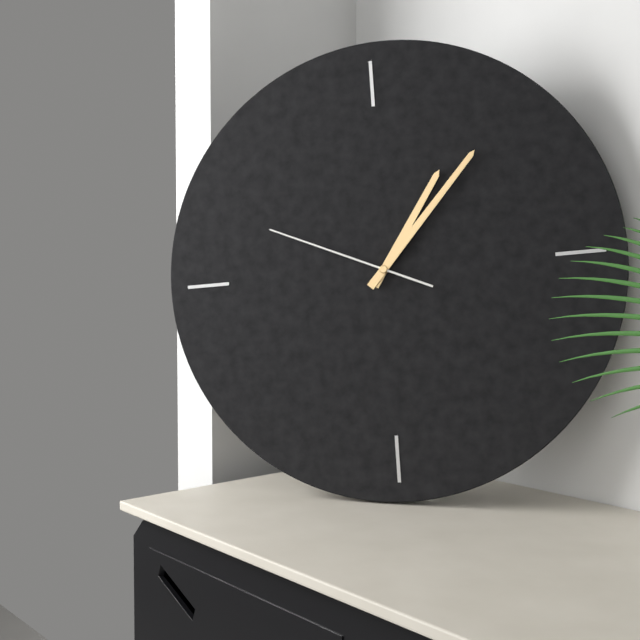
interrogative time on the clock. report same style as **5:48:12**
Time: **1:07:49**
